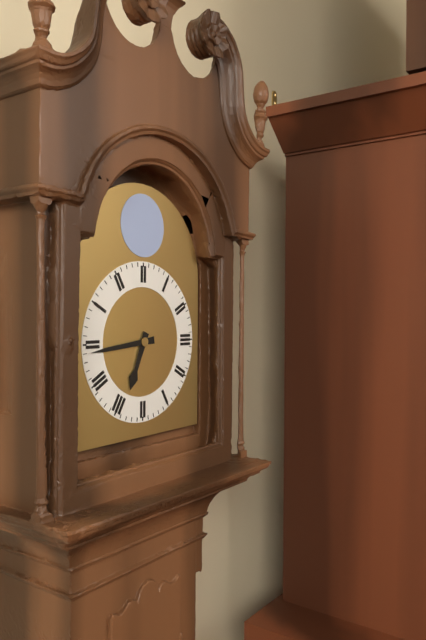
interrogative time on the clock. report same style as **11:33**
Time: **6:44**
